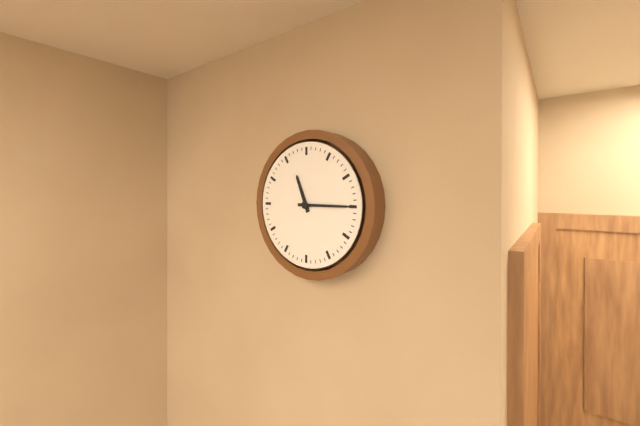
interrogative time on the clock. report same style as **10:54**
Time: **11:15**
